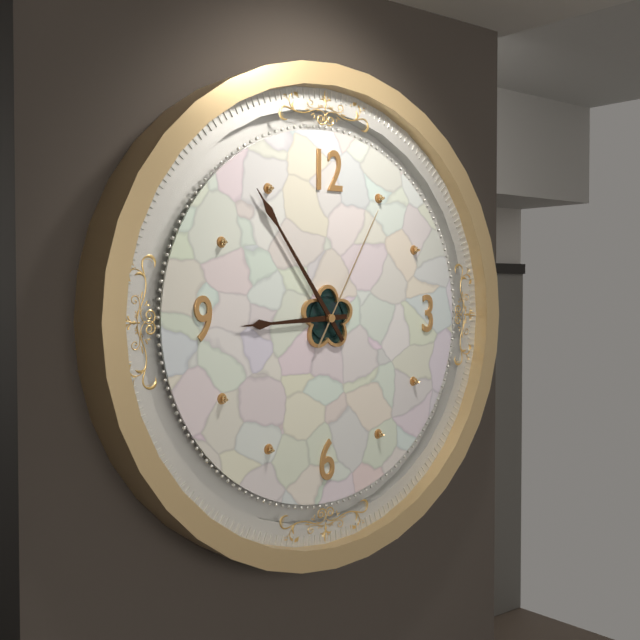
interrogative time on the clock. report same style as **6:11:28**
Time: **8:54:05**
